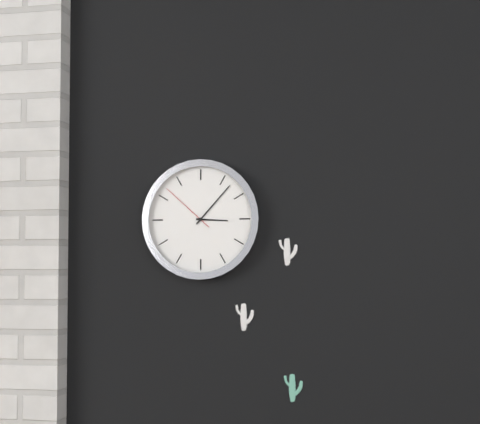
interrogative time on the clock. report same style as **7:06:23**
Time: **3:07:52**
